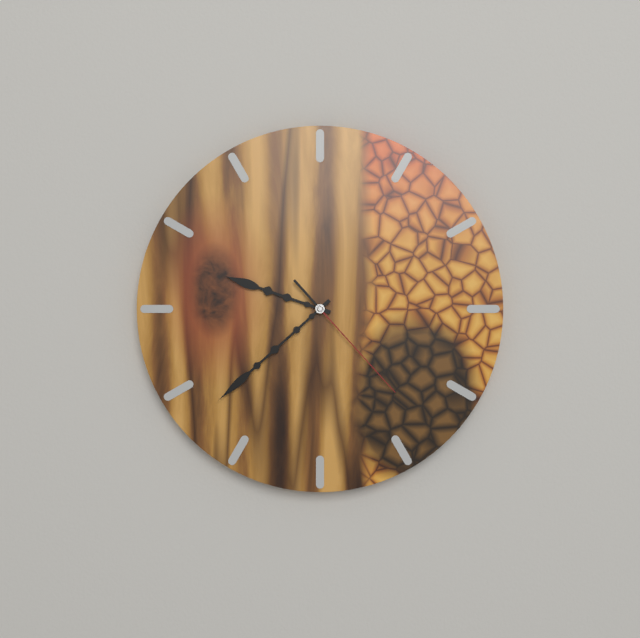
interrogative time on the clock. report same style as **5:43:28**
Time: **9:38:23**
